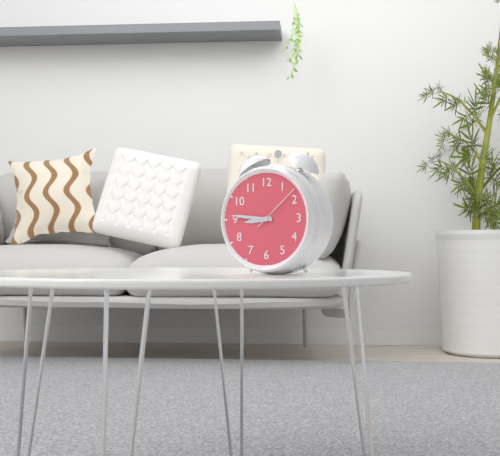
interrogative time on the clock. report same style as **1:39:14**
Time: **8:46:08**
